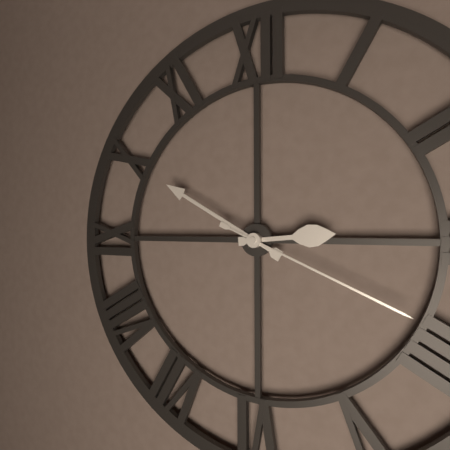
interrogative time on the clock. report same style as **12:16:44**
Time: **2:50:19**
